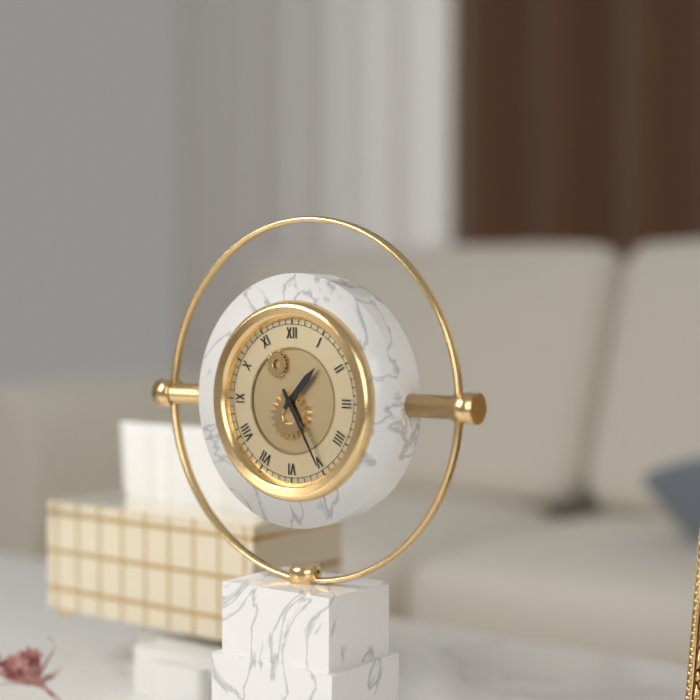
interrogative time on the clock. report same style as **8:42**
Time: **1:25**
